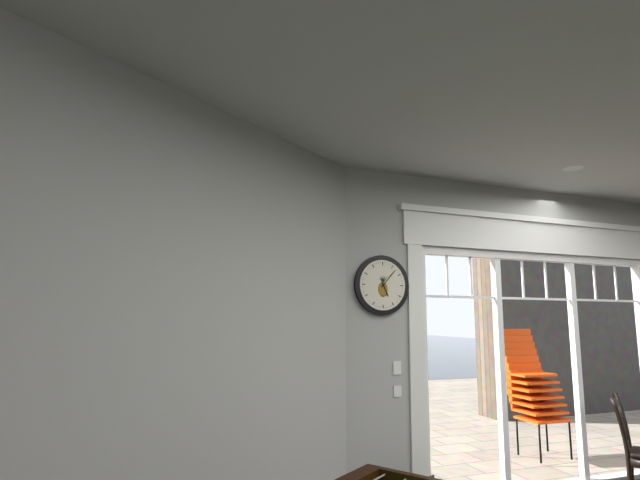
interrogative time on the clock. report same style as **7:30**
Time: **5:07**
